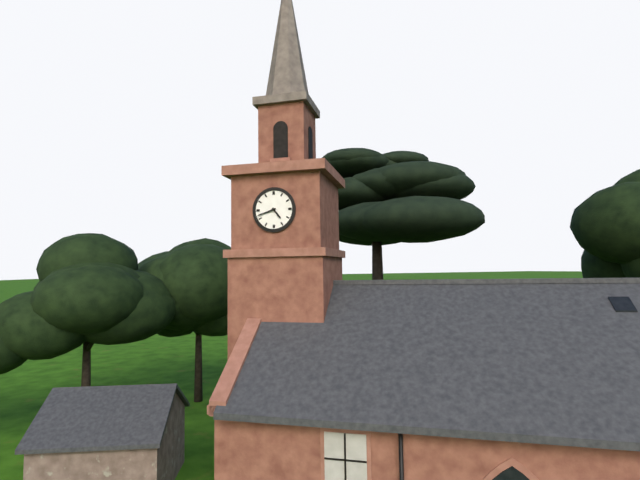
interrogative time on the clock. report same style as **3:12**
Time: **4:42**
